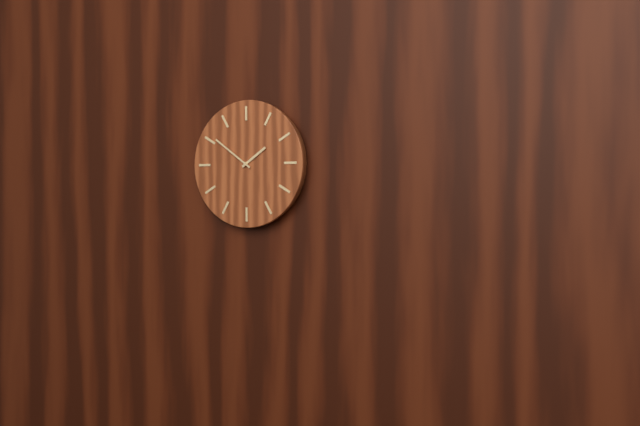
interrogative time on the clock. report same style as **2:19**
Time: **1:51**
